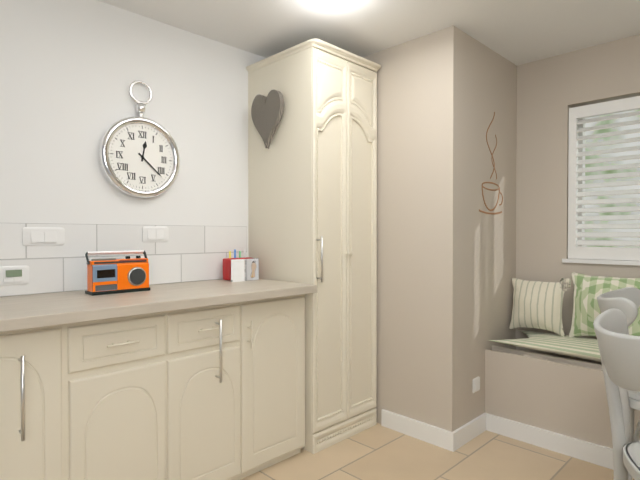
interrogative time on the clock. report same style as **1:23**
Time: **12:22**
